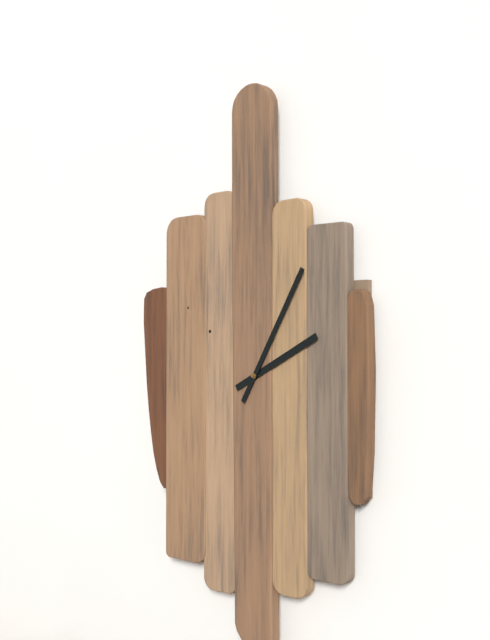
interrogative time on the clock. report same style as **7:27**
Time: **2:05**
